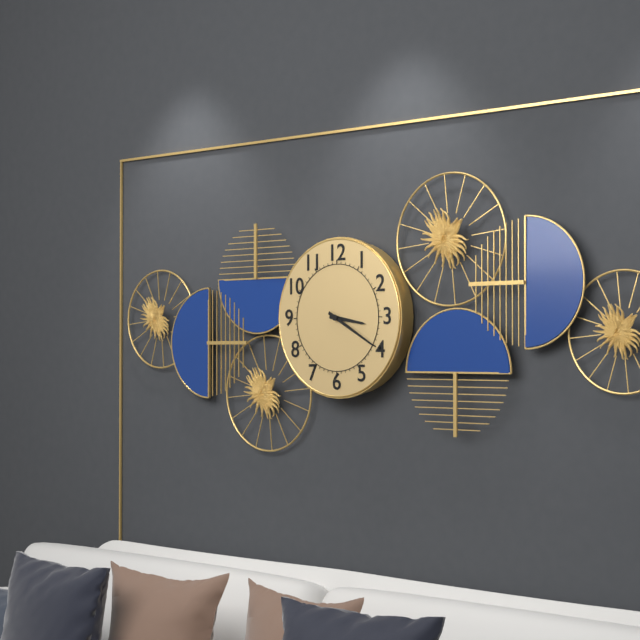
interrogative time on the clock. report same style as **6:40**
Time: **3:20**
